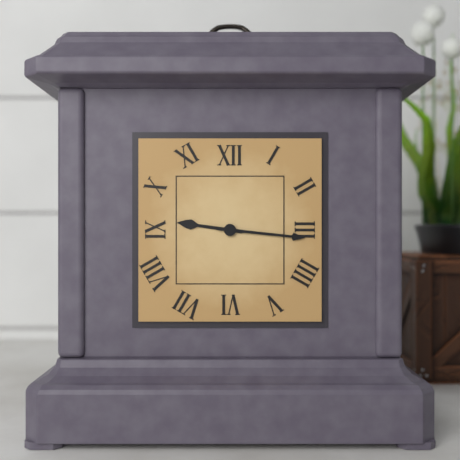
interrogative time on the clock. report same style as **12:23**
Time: **9:16**
